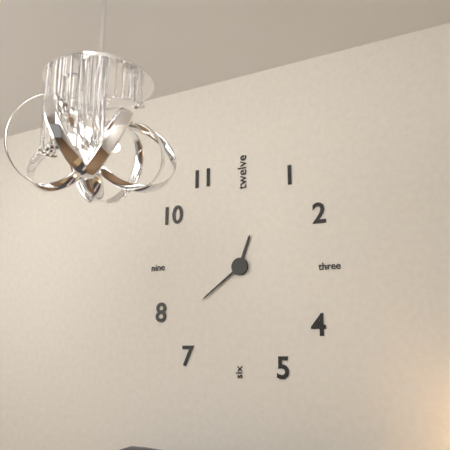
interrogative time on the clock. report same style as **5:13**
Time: **12:39**
